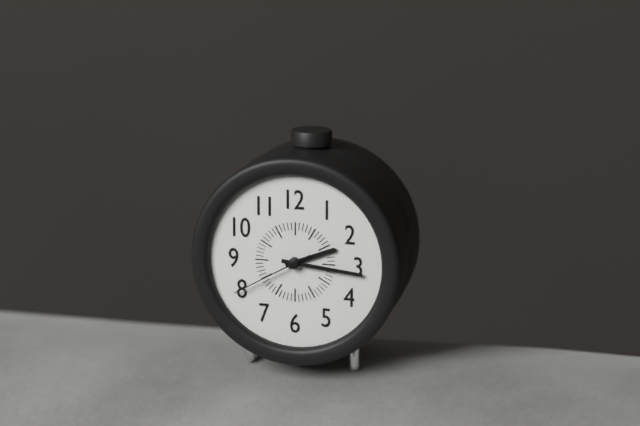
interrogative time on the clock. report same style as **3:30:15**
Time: **2:16:40**
